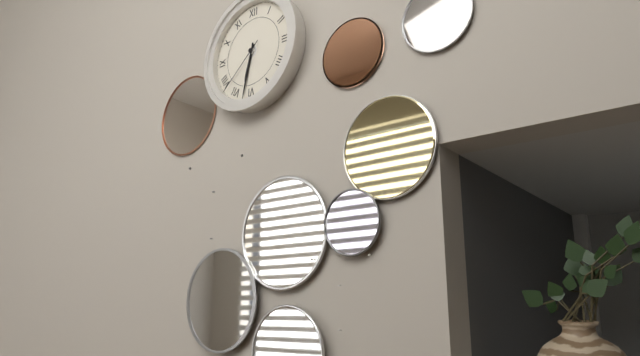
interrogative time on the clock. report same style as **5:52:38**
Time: **6:32:38**
